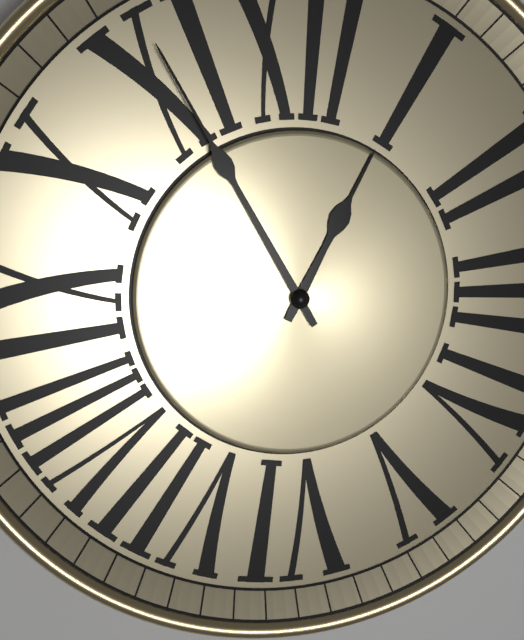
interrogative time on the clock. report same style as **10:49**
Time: **12:55**
